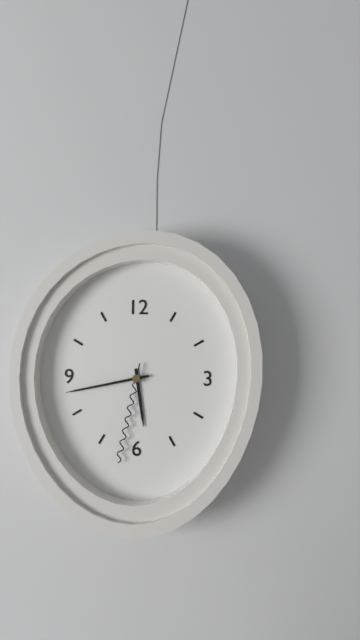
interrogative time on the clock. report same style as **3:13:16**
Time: **5:43:32**
